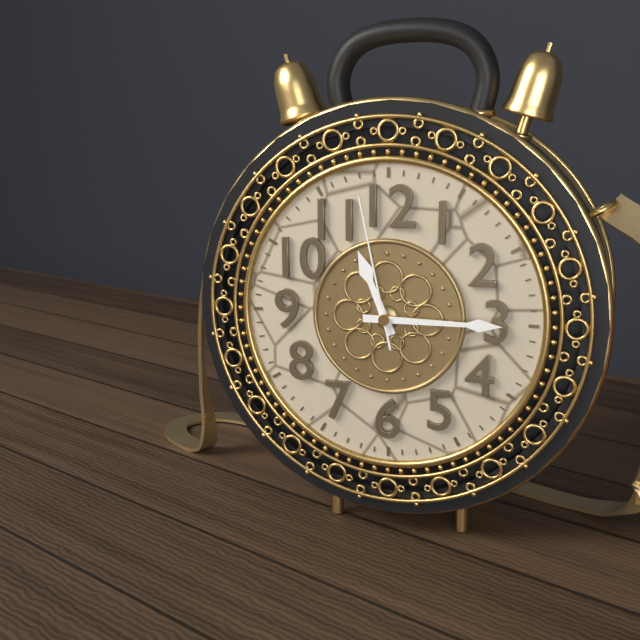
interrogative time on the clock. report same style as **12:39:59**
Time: **11:15:58**
